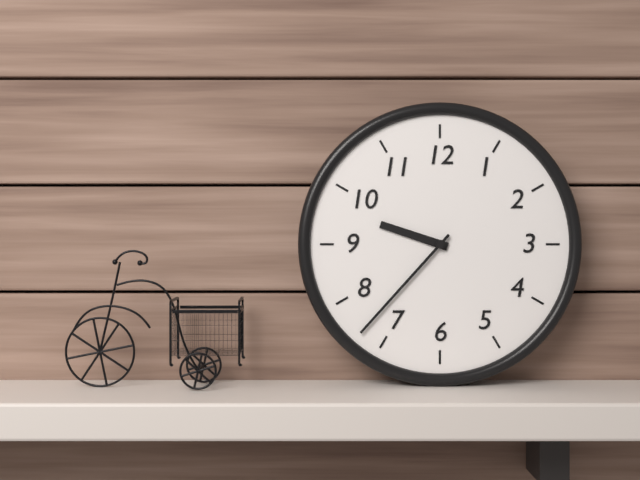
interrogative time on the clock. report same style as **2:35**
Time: **9:37**
